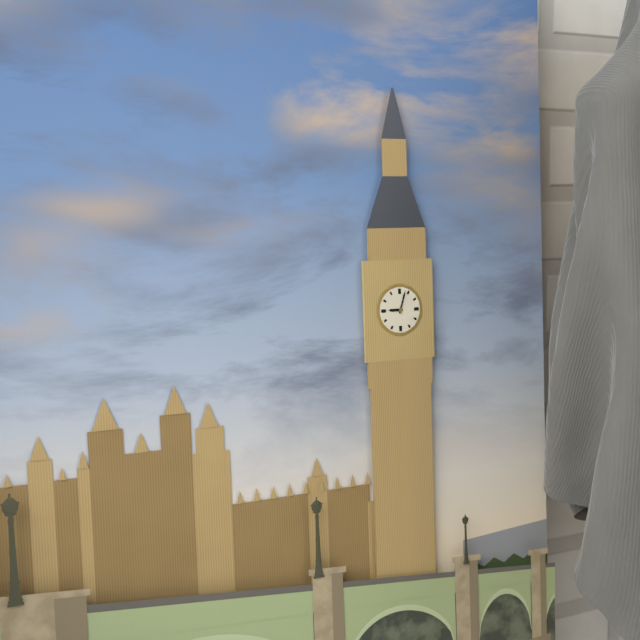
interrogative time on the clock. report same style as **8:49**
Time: **9:03**
